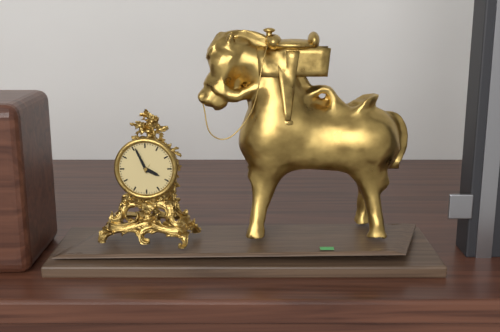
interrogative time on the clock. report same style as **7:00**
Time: **3:56**
